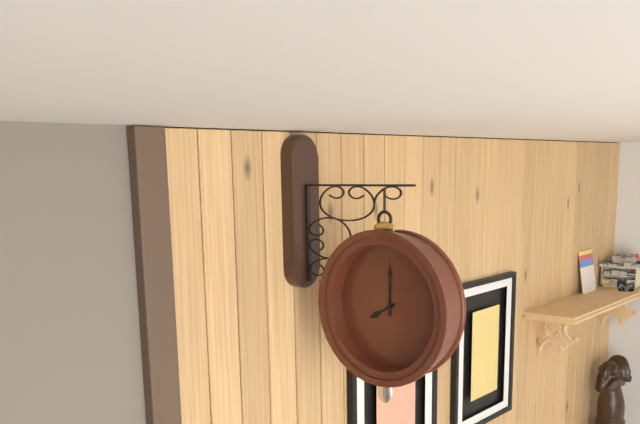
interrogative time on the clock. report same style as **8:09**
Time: **8:00**
